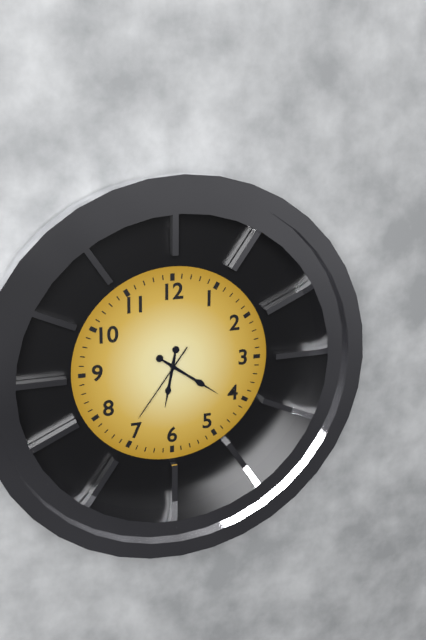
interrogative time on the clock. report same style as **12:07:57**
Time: **6:21:36**
